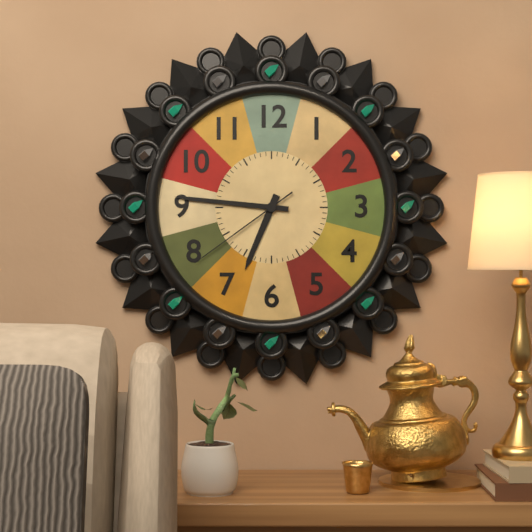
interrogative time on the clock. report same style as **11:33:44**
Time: **6:46:39**
